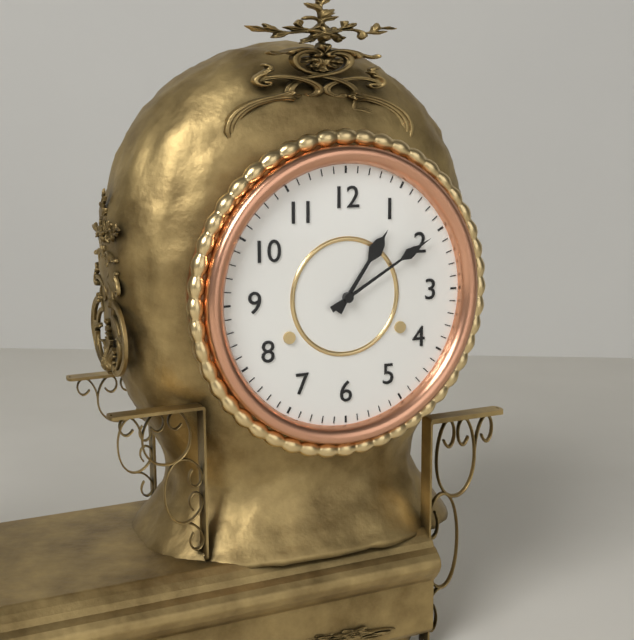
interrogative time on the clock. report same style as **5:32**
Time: **1:10**
